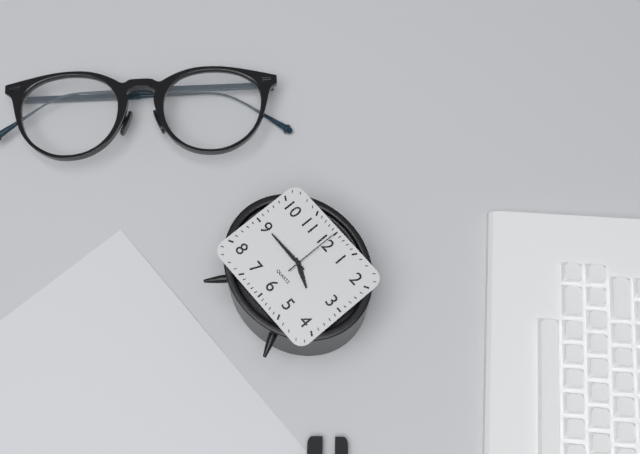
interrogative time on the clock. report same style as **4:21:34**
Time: **3:45:00**
